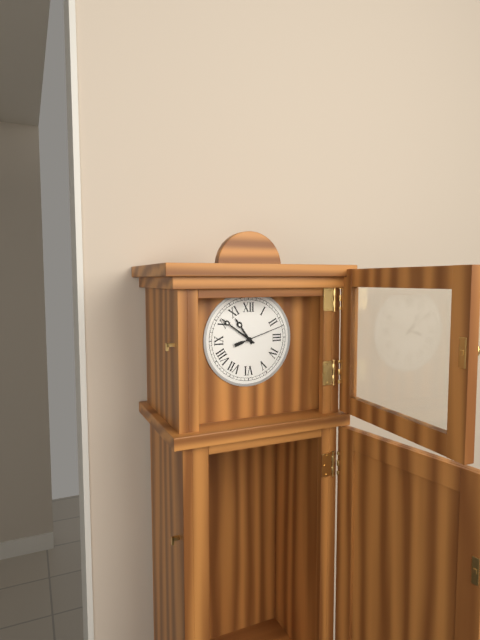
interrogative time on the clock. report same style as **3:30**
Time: **10:51**
